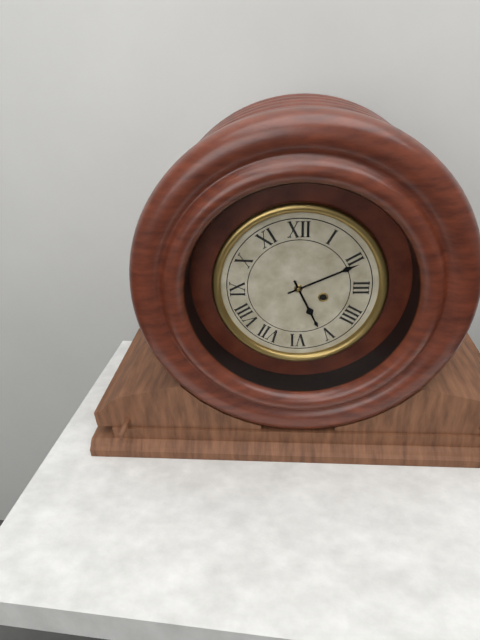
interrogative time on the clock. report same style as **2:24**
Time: **5:11**
